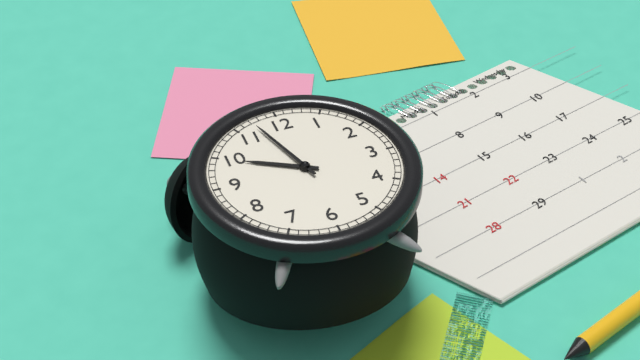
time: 9:57
